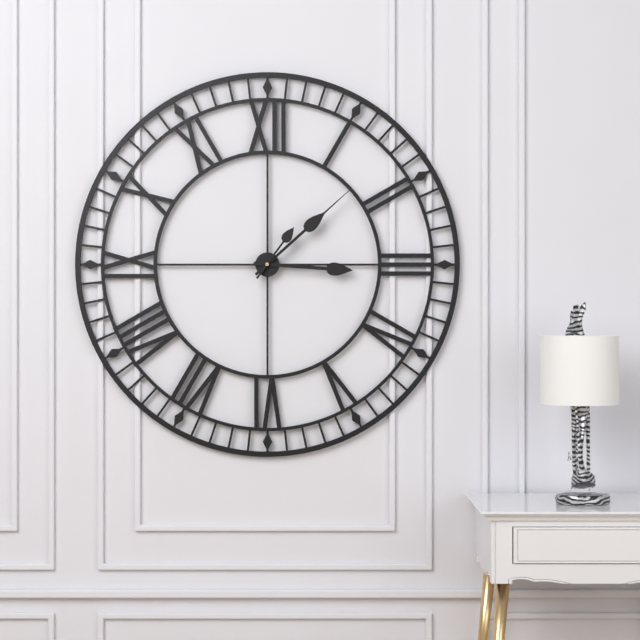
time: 3:08:06
